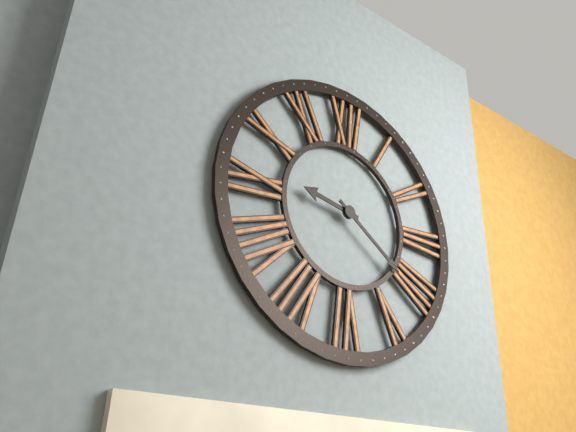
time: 9:21
